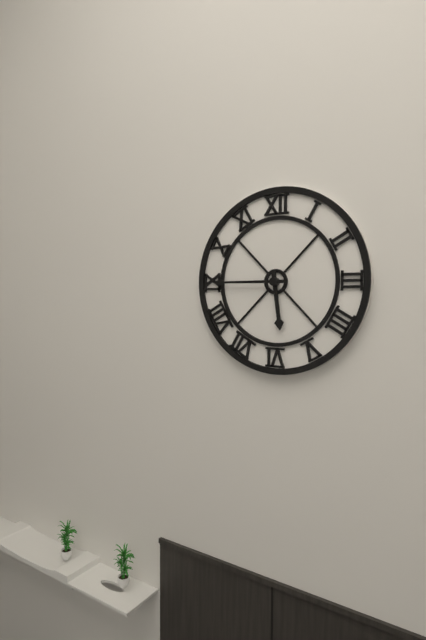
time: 5:45
